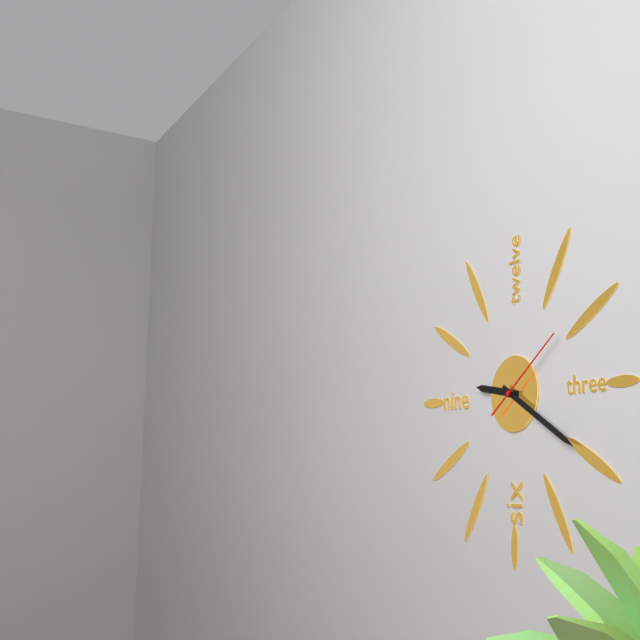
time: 9:20:09
